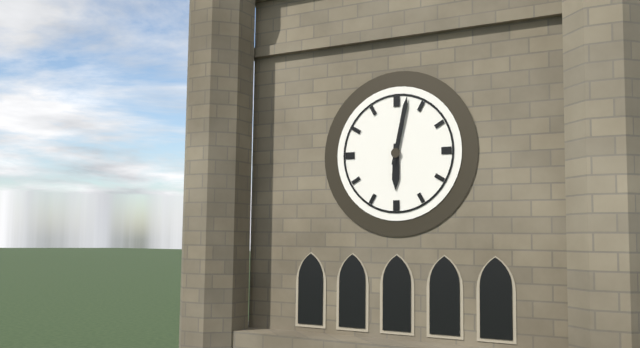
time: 6:02
